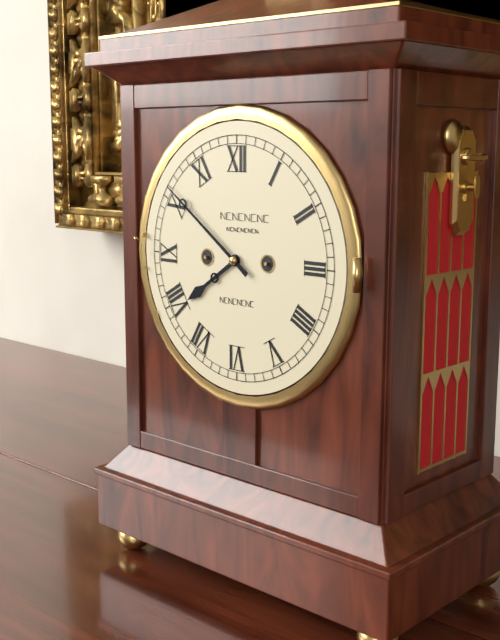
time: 7:51
